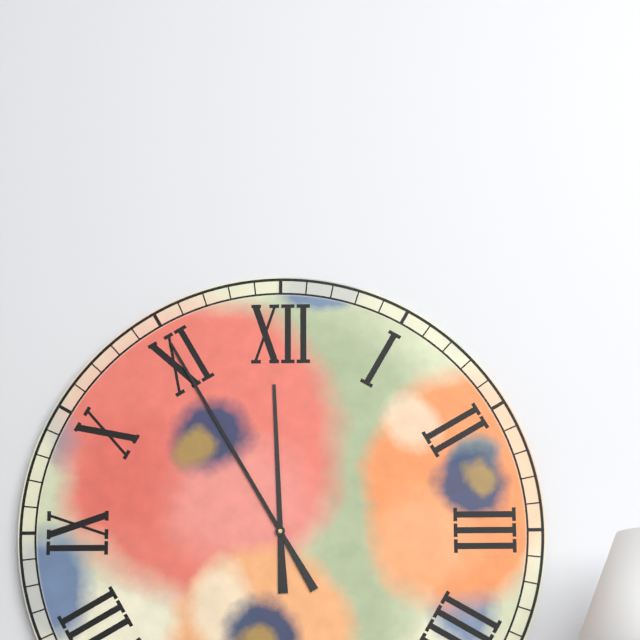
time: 11:55
